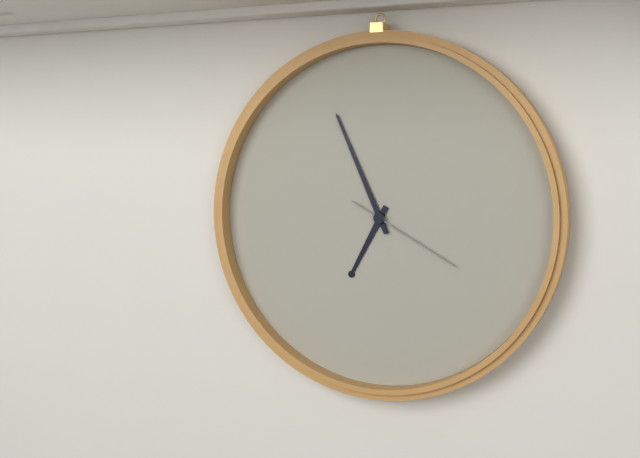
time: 6:56:20
